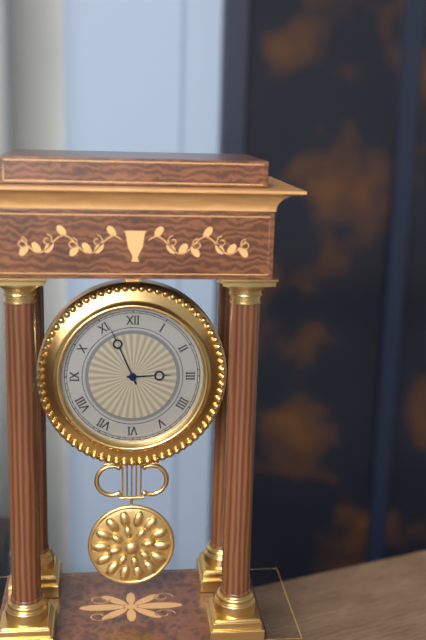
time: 2:56
